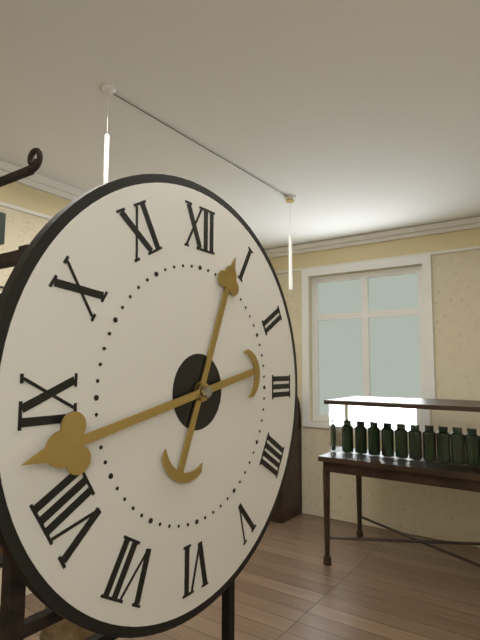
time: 12:43
